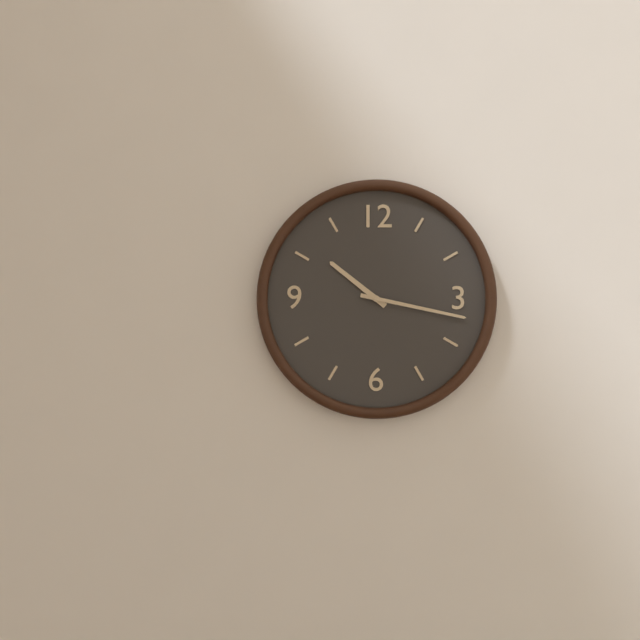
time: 10:17
